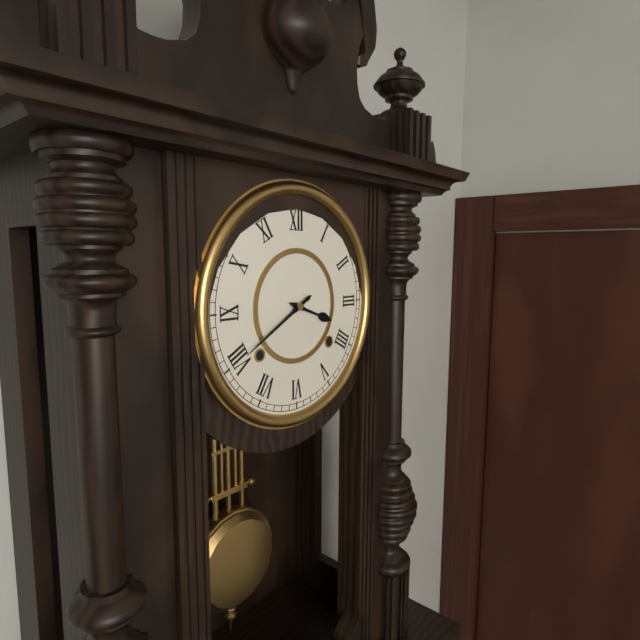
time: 3:40
